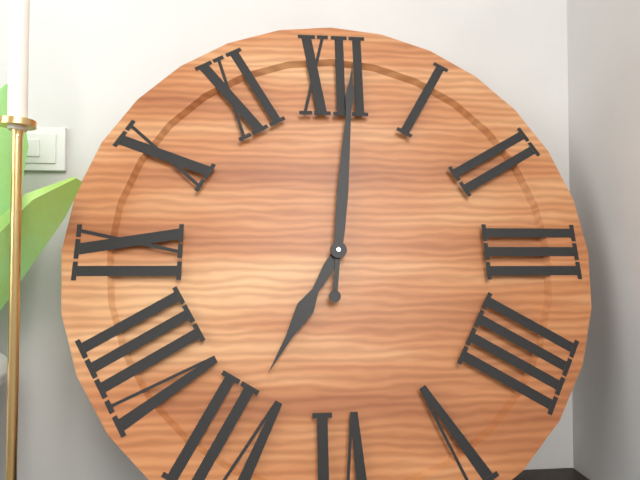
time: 7:01
